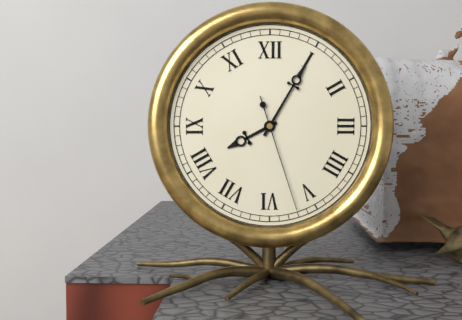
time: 8:05:27
